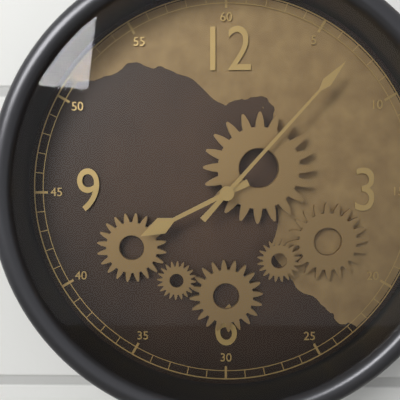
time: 8:07
